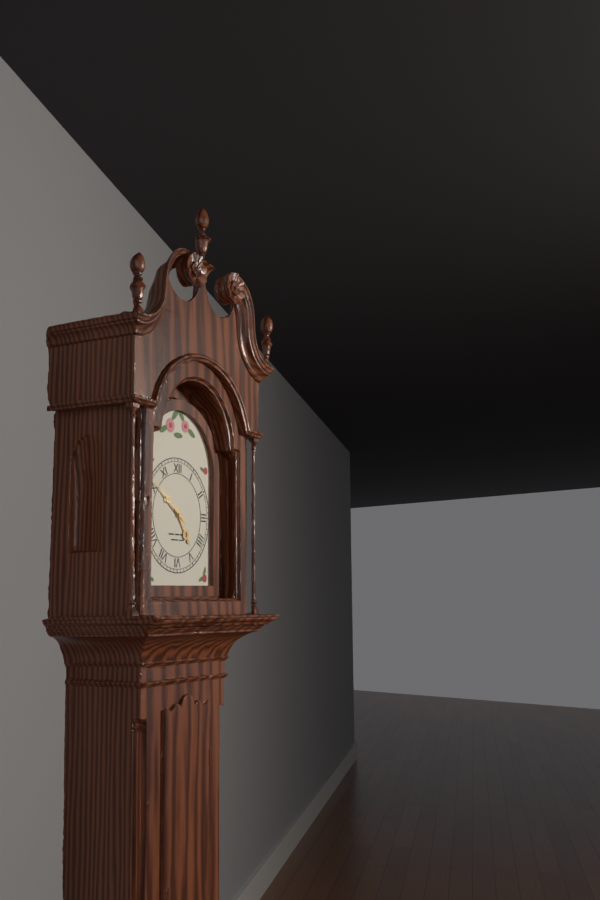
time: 4:51
